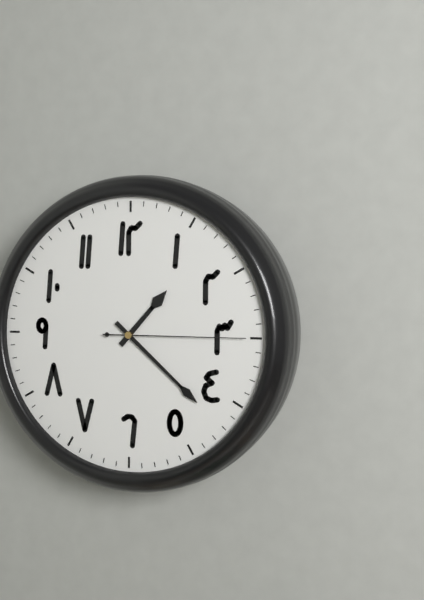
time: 1:22:15
